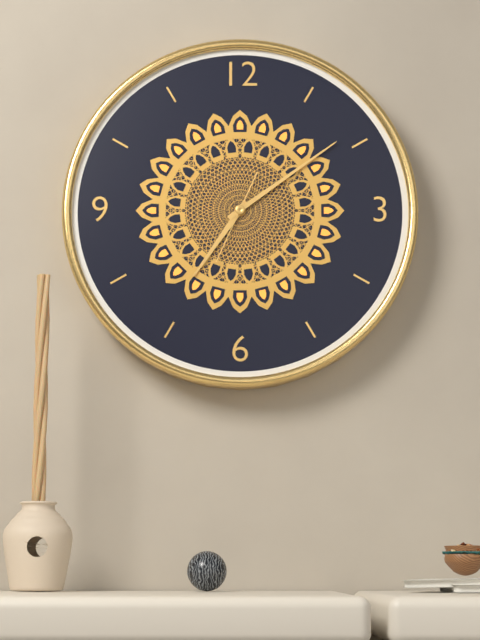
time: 7:09:34
